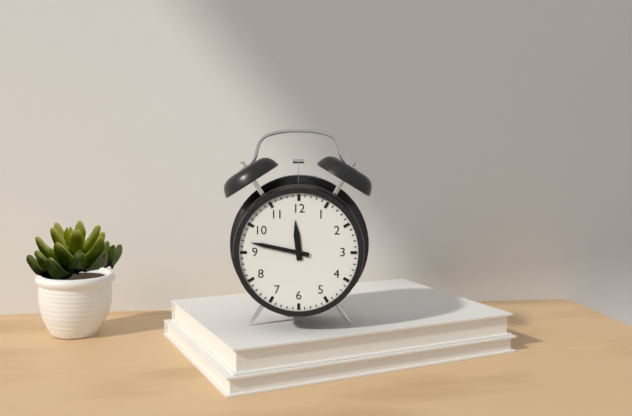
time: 11:47
